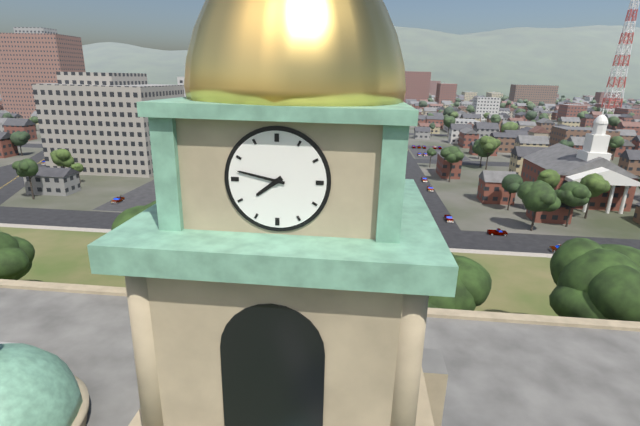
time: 7:47
